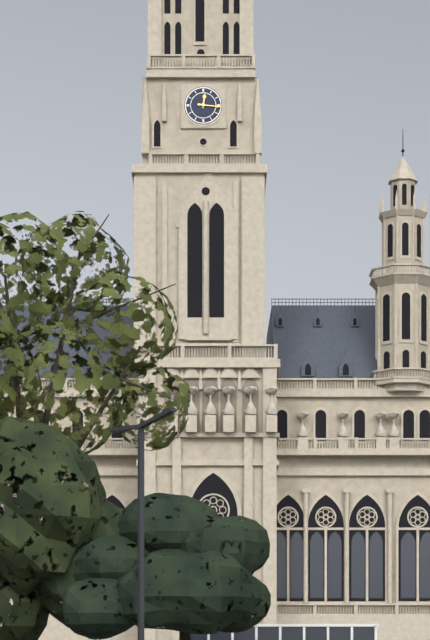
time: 12:16
